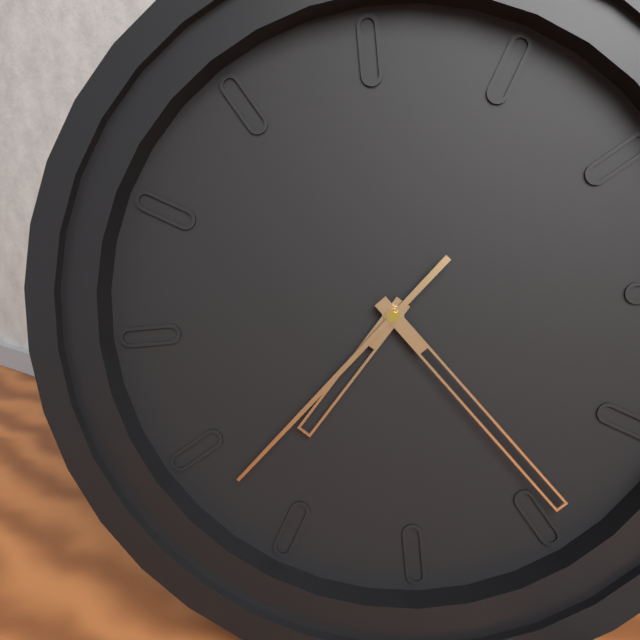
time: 7:24:38
